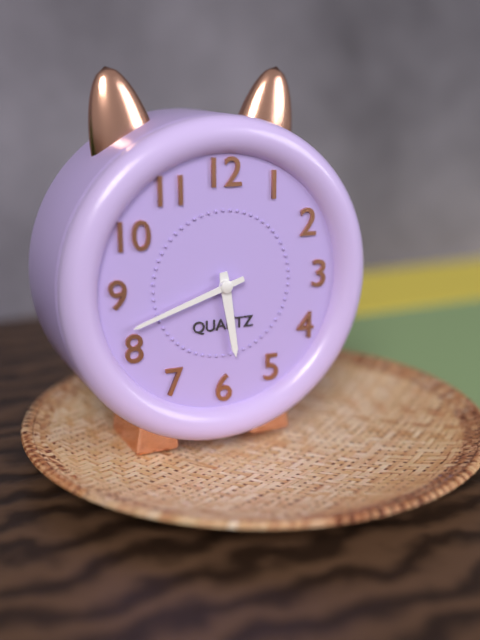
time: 5:42
